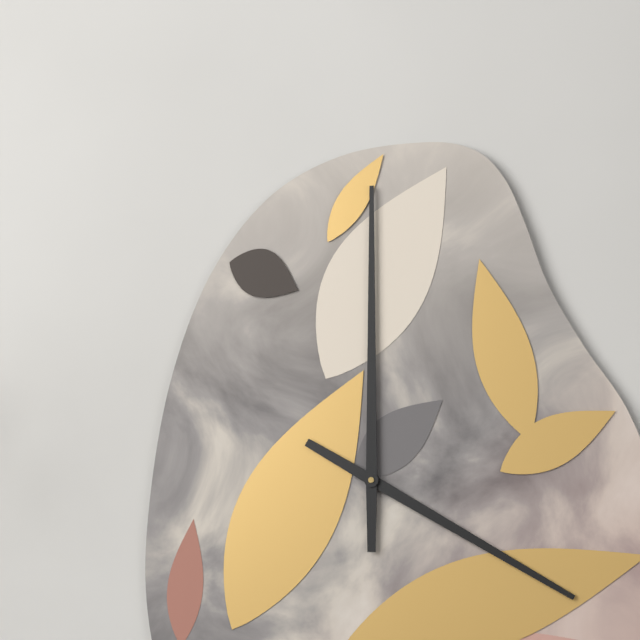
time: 4:00
